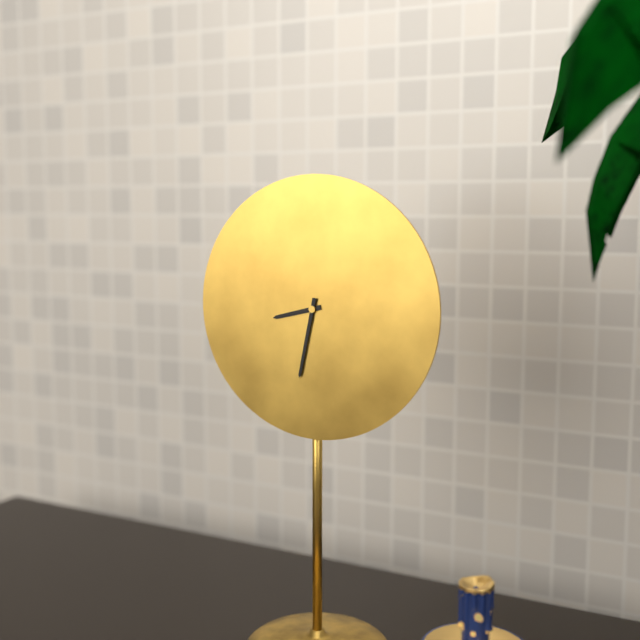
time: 8:32
